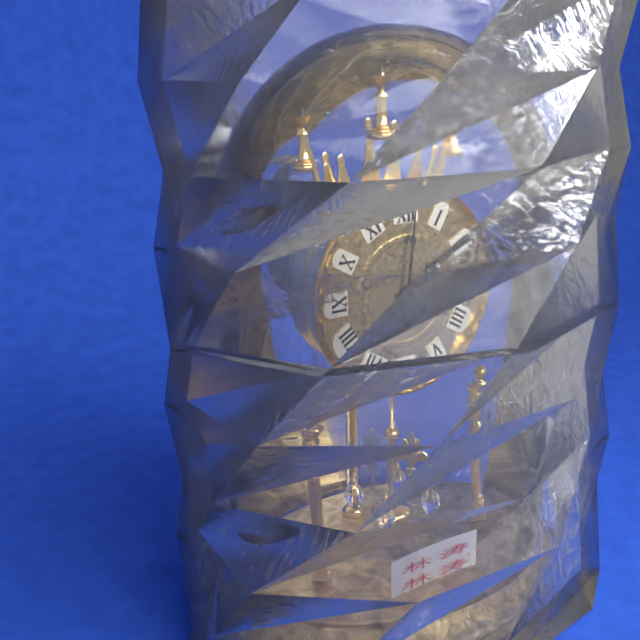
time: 2:01
